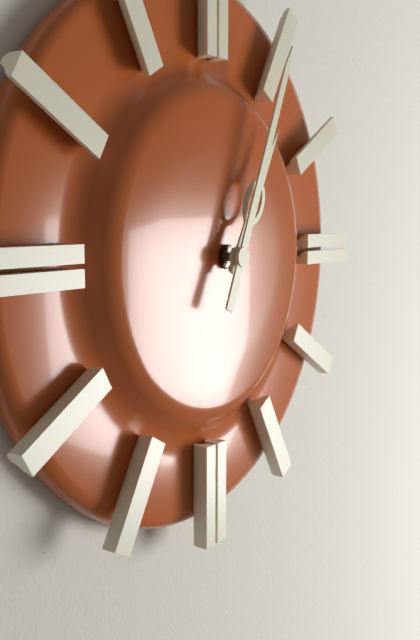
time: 1:04
